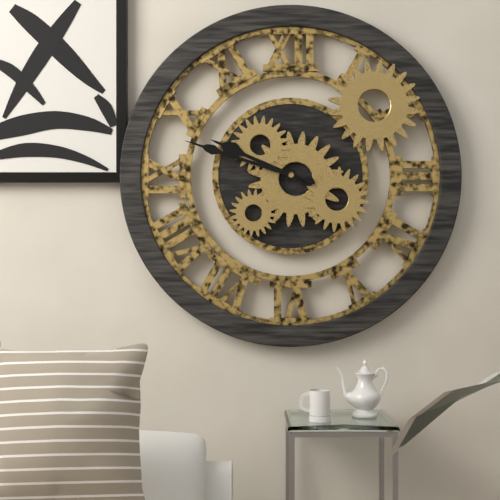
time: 9:48
